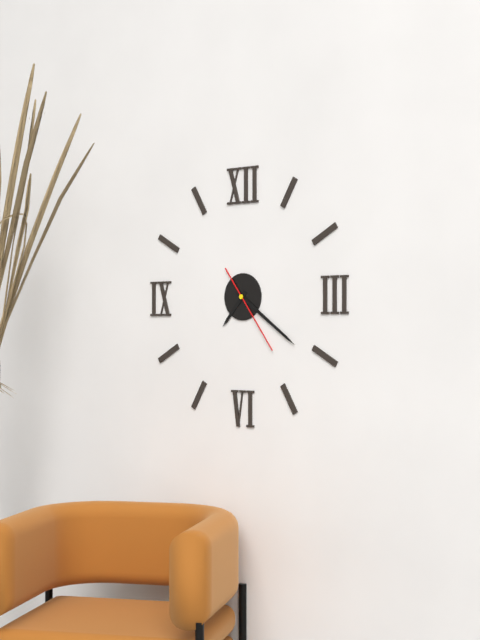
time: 7:21:24
